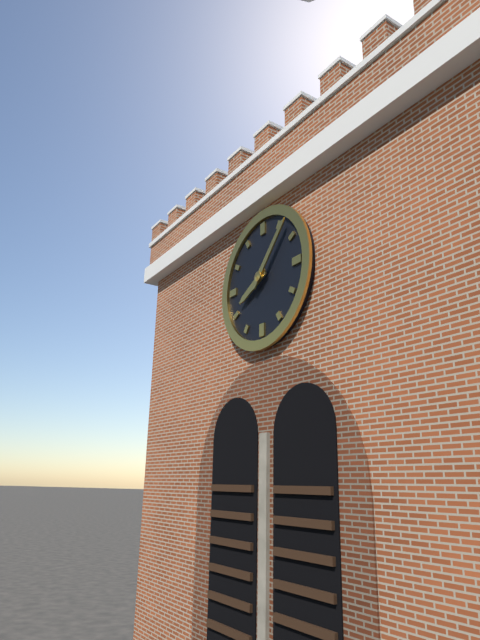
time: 8:07
